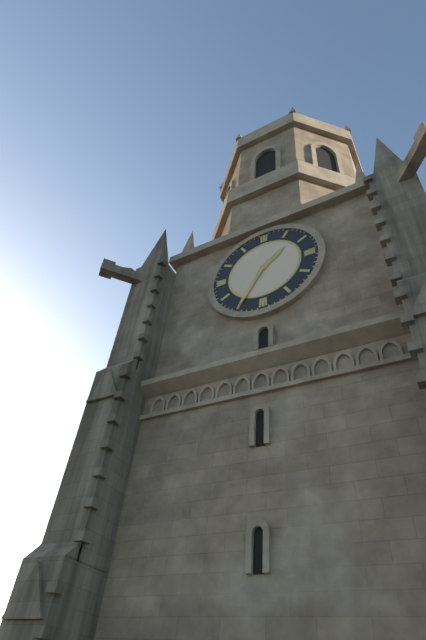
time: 1:35
